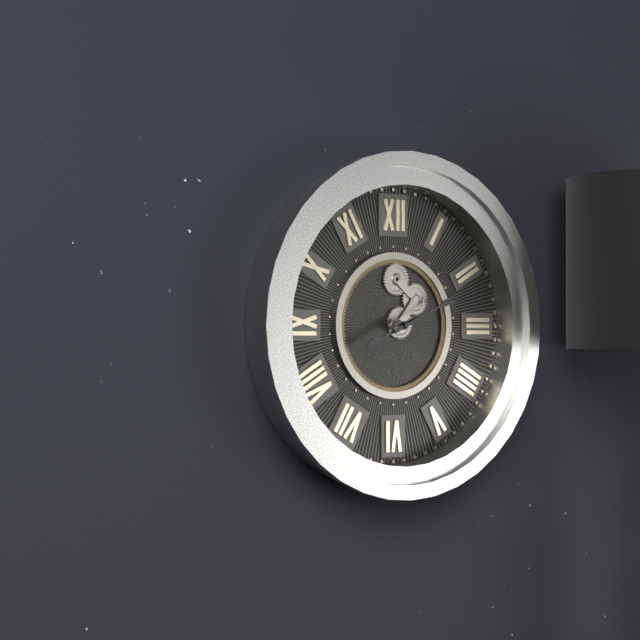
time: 8:11
